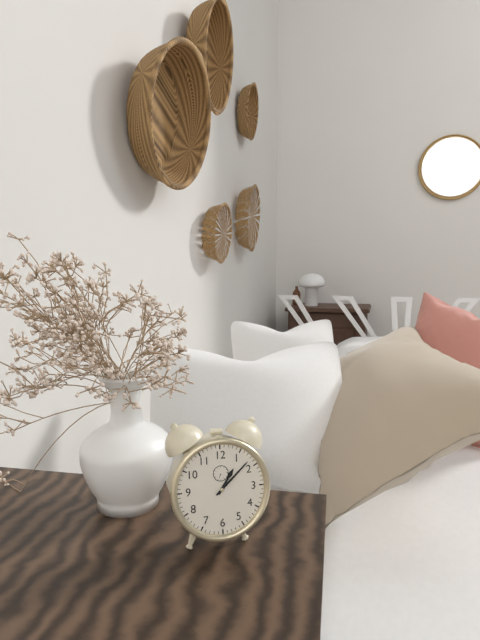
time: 1:08
